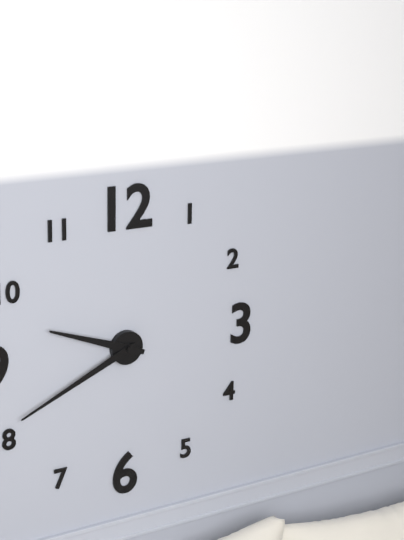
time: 9:41
